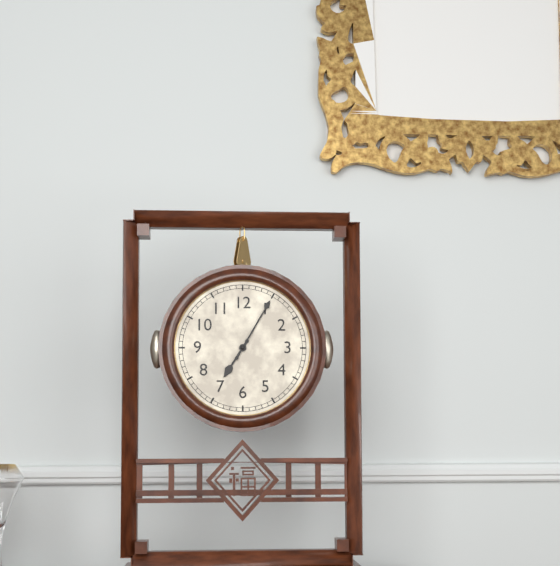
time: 7:05
